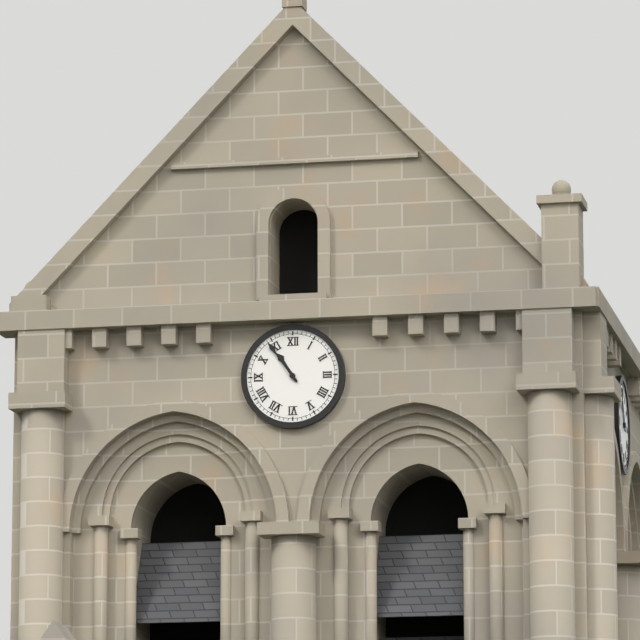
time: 10:54
